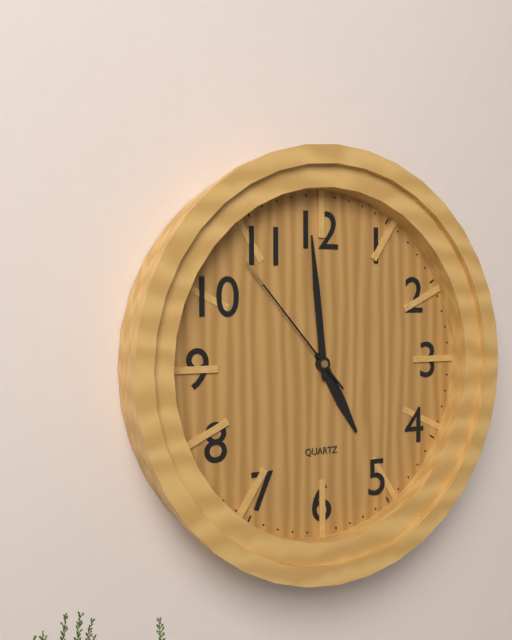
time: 4:59:53
